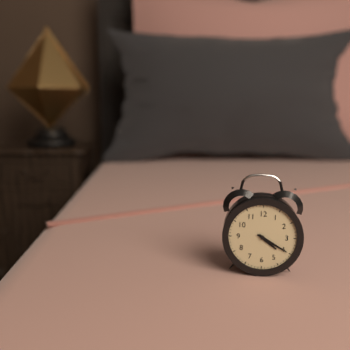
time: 4:20
